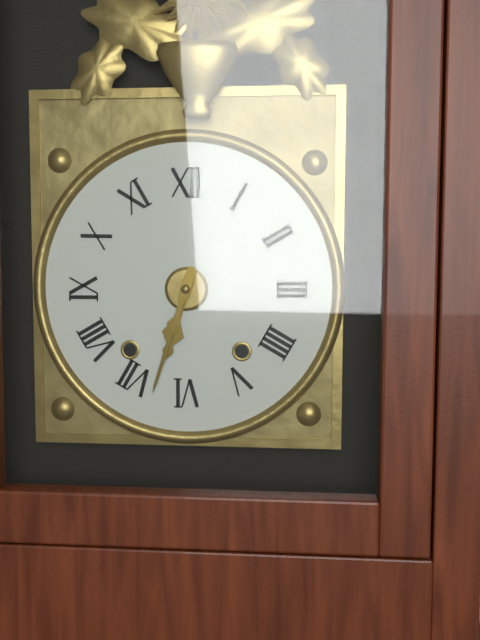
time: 6:33
